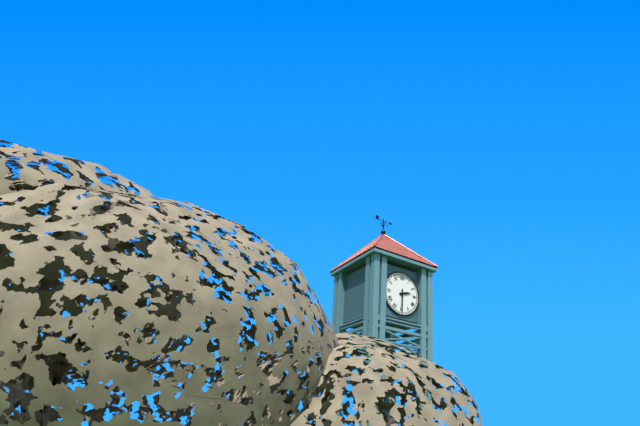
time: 2:30
